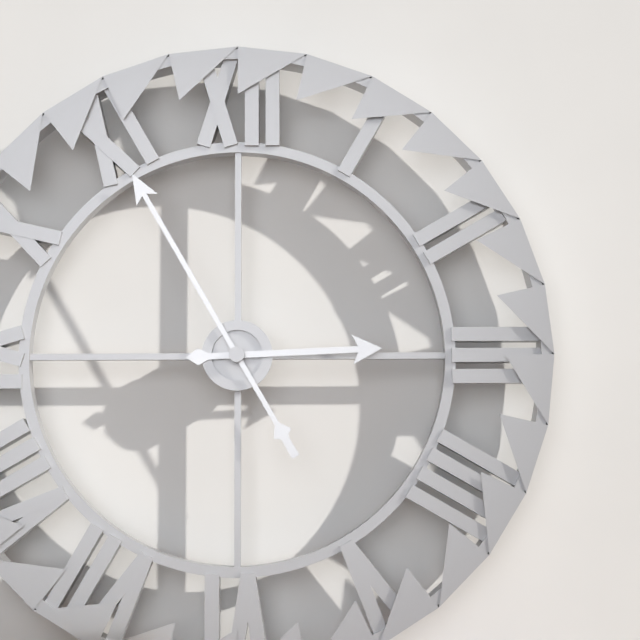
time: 2:55
